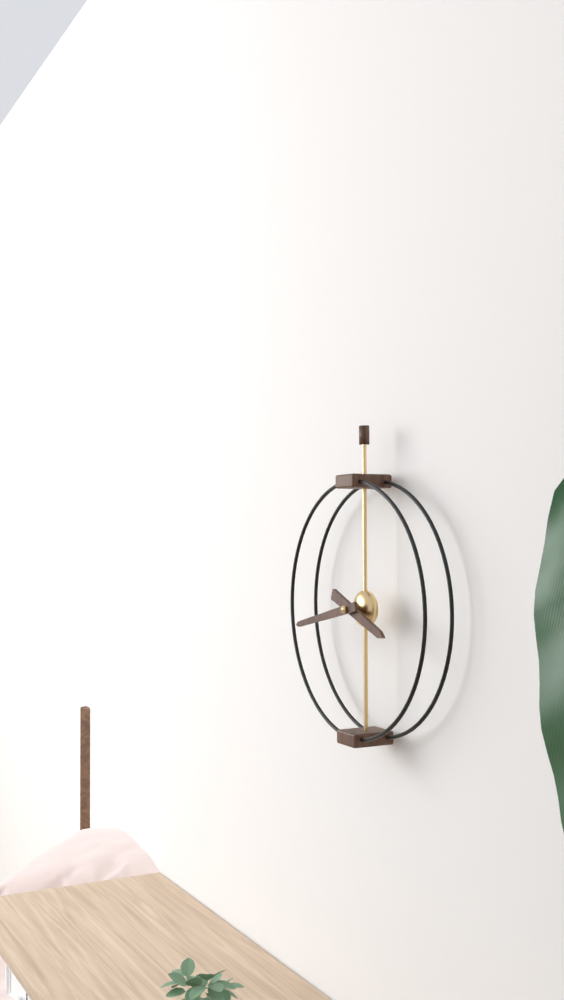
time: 3:43
